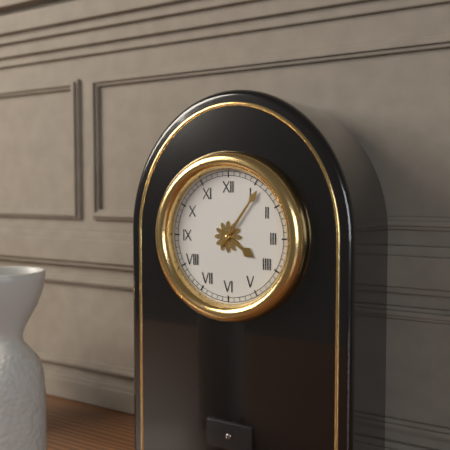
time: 4:06
